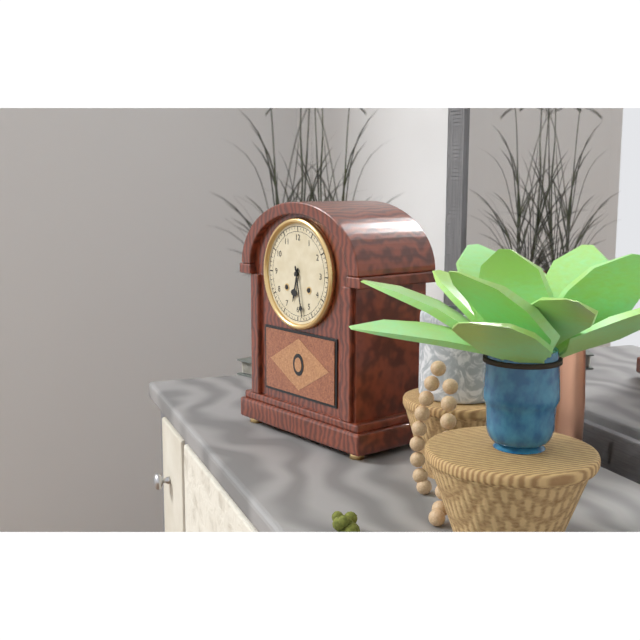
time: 6:28
